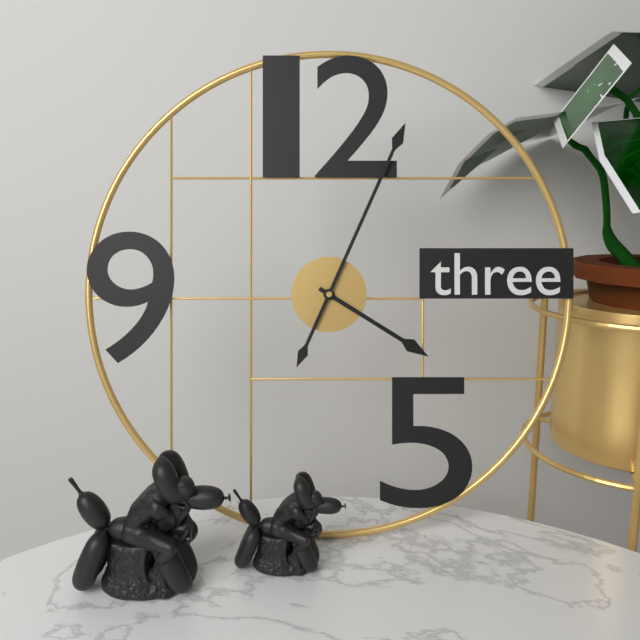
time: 4:04
